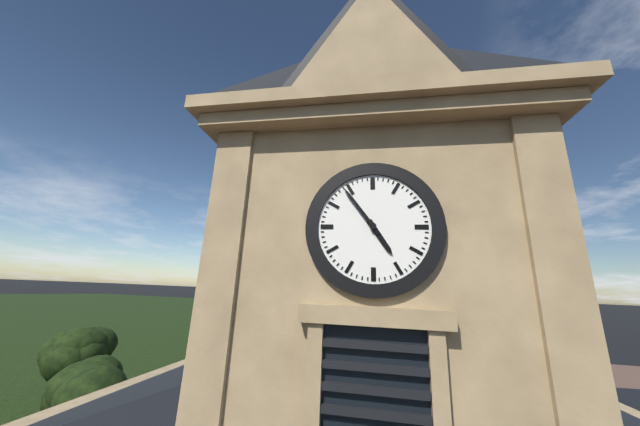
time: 4:54
